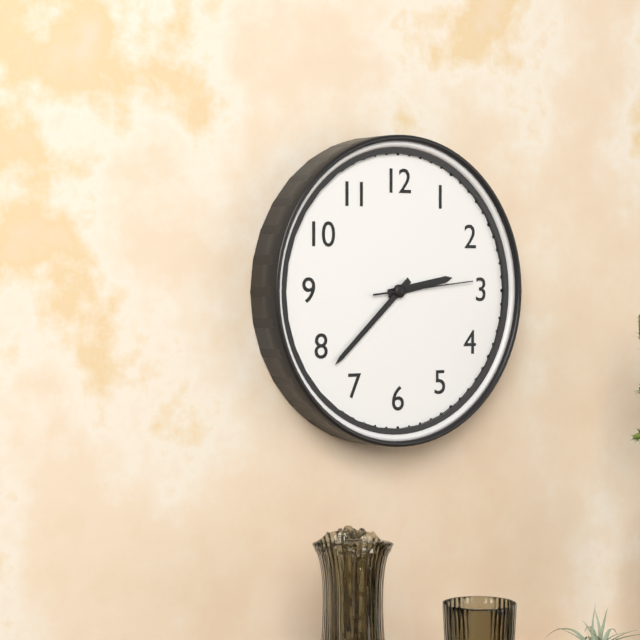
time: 2:38:14
